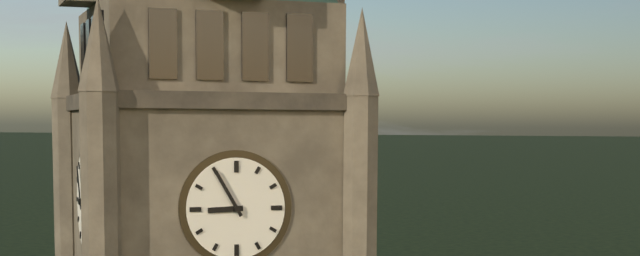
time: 8:55
